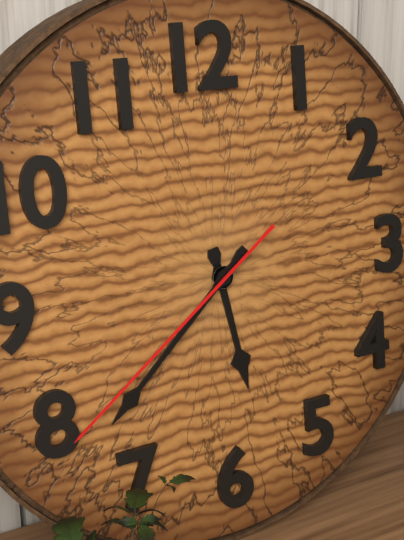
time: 5:38:39
